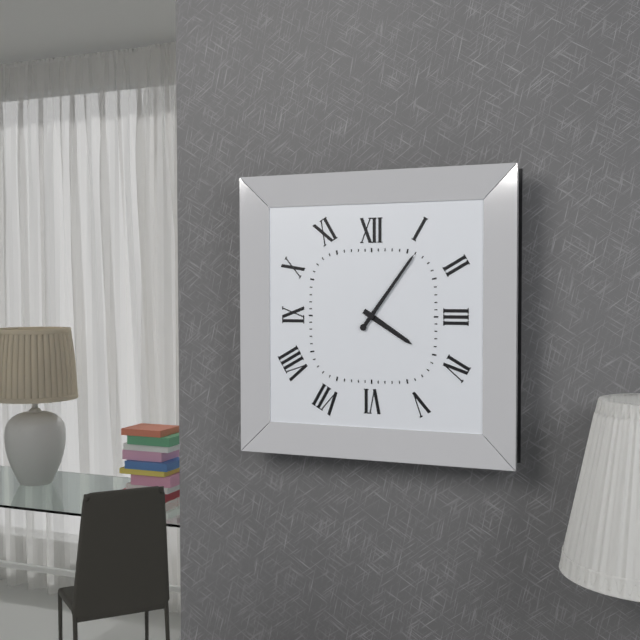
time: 4:06
